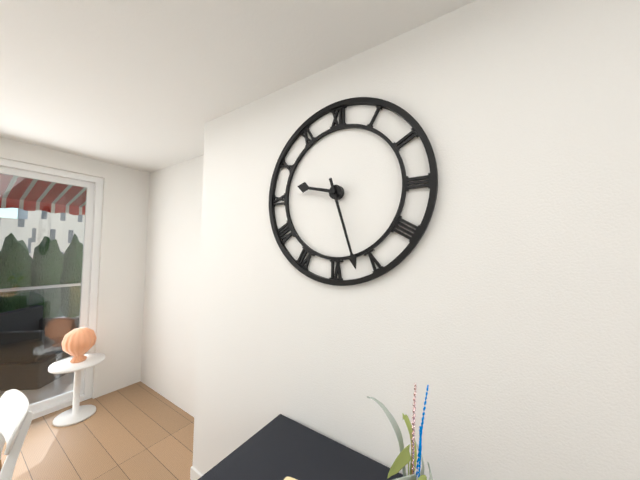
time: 9:27
